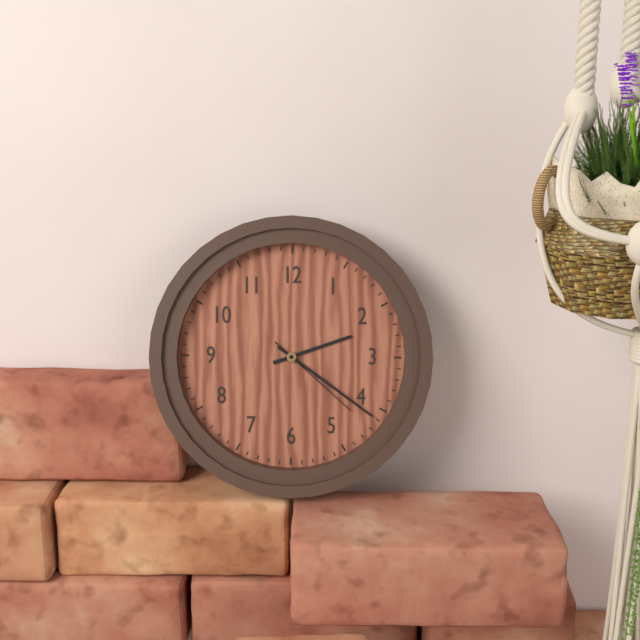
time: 2:21:22
